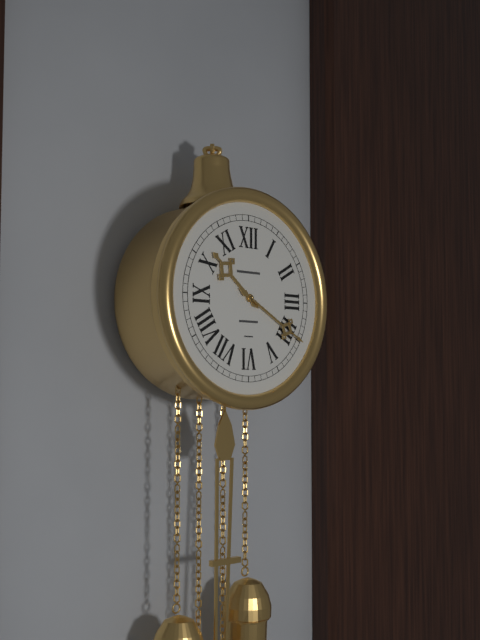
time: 10:20
